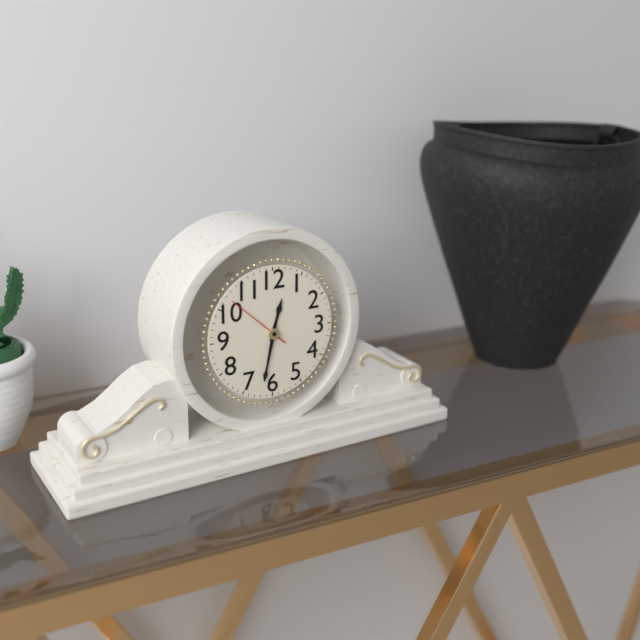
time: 12:32:52
